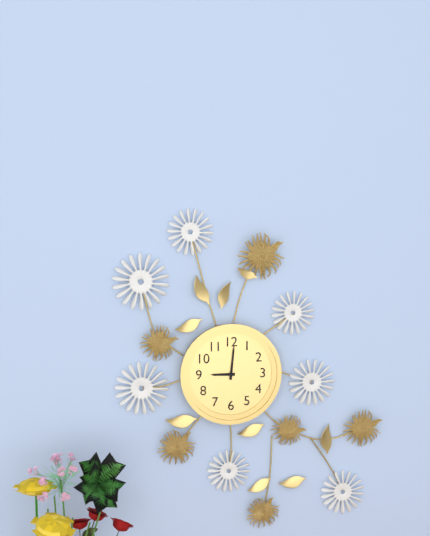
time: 9:01
